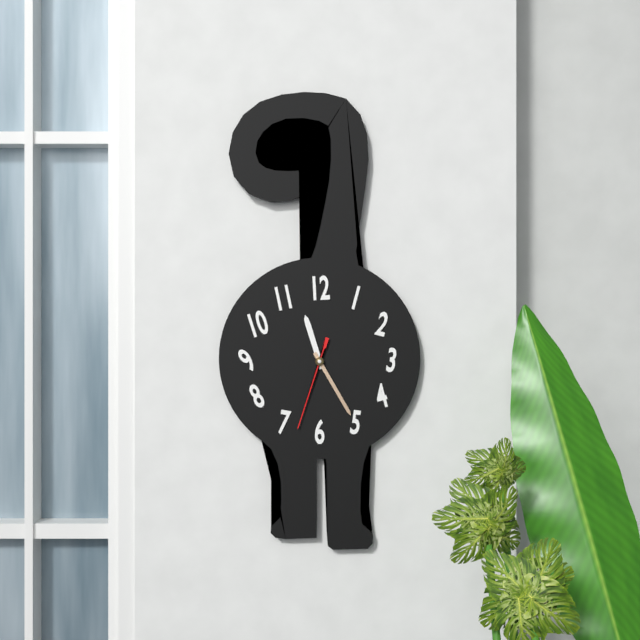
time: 11:25:33
